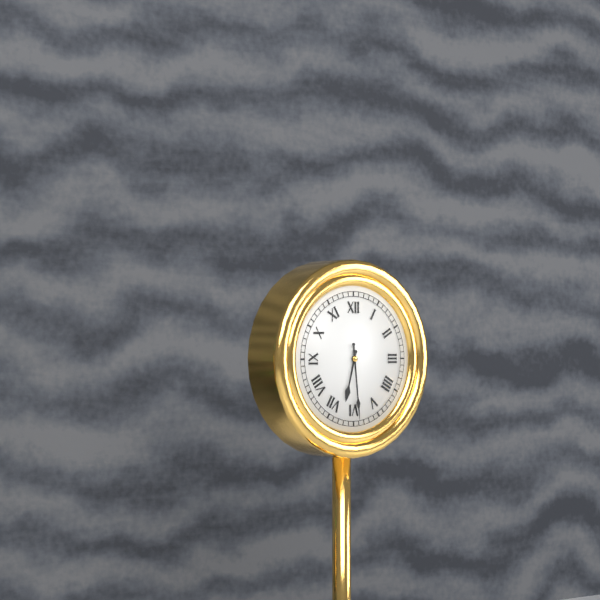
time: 6:29
